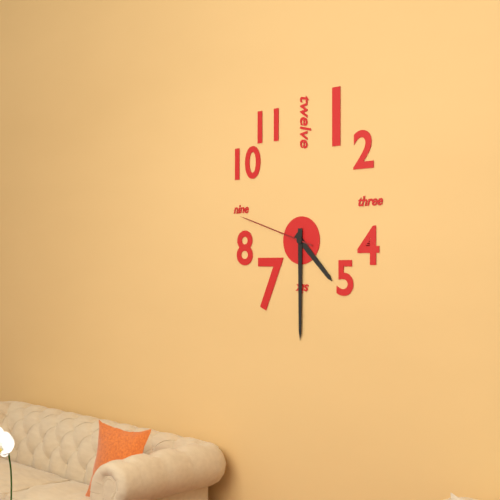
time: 4:30:48
